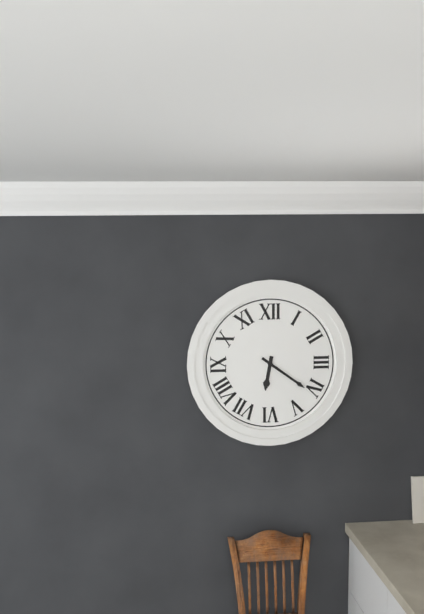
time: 6:21
